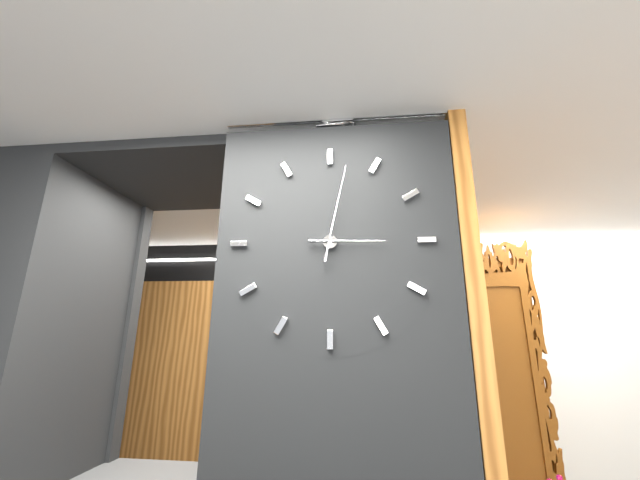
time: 3:02
